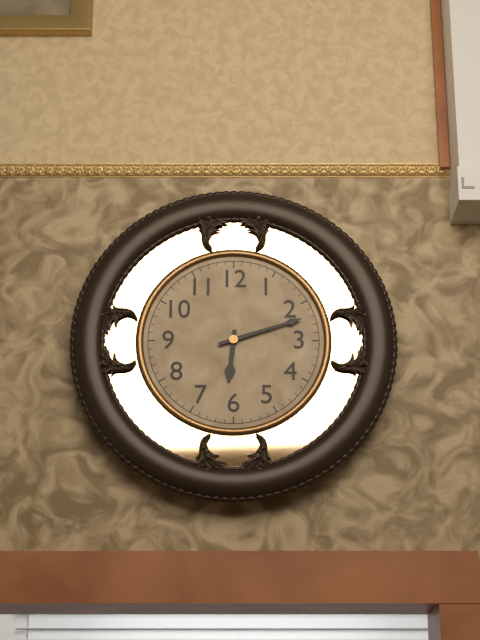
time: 6:12
